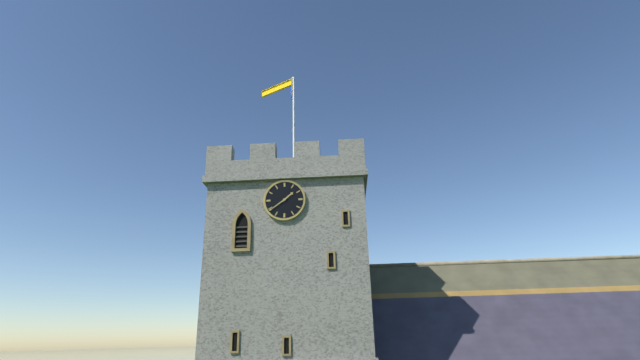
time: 1:39
